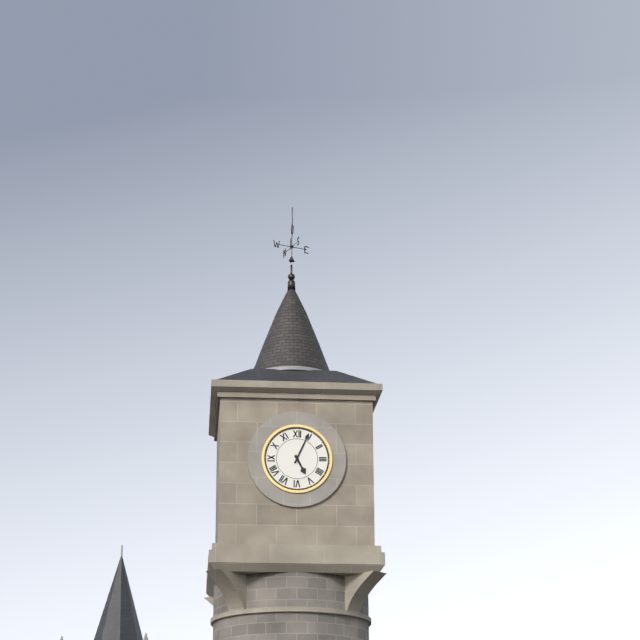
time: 5:04
